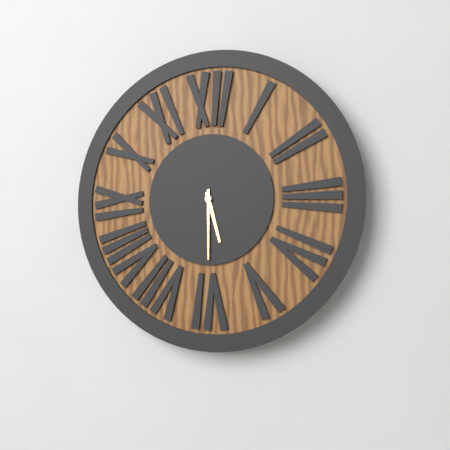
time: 5:30
